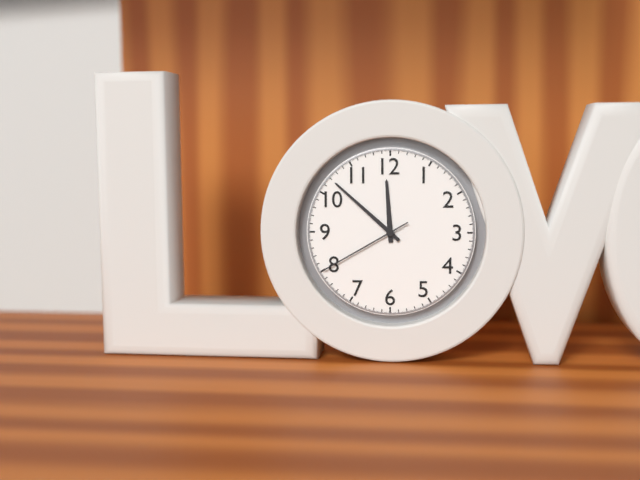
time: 11:52:40
